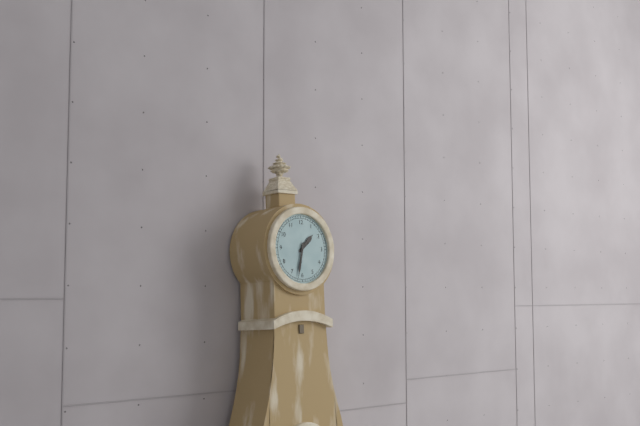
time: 1:32
